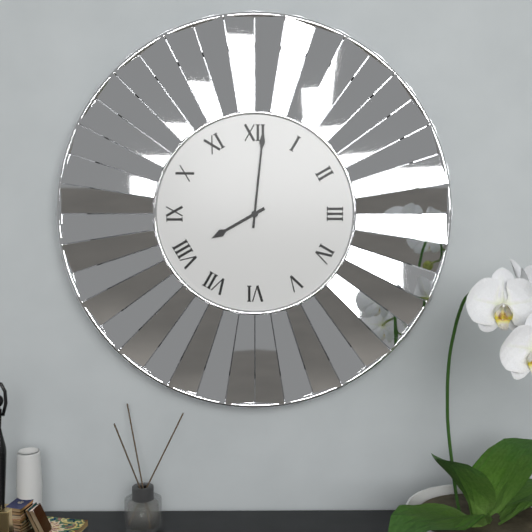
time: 8:01
